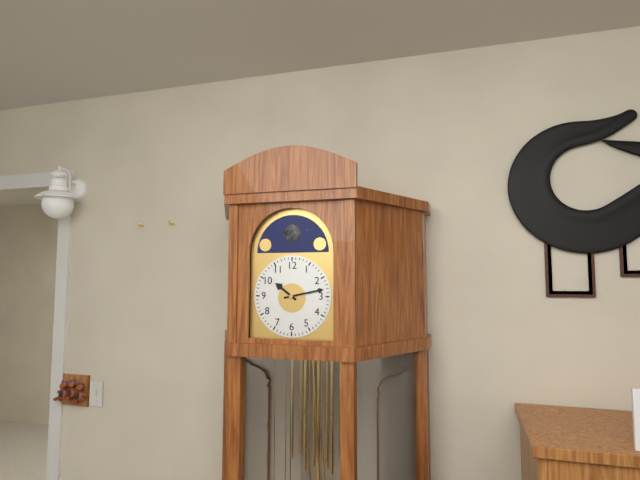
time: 10:13
